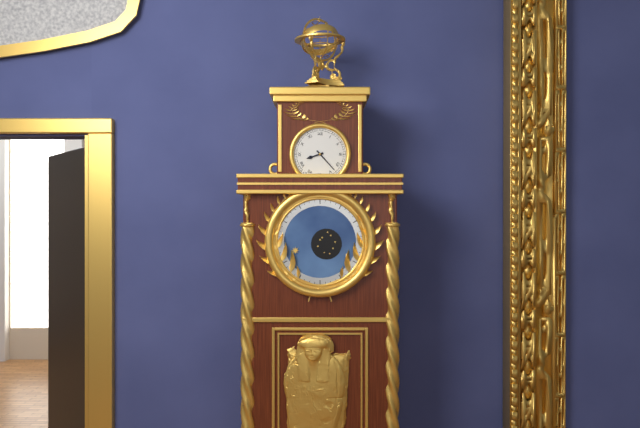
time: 8:23
